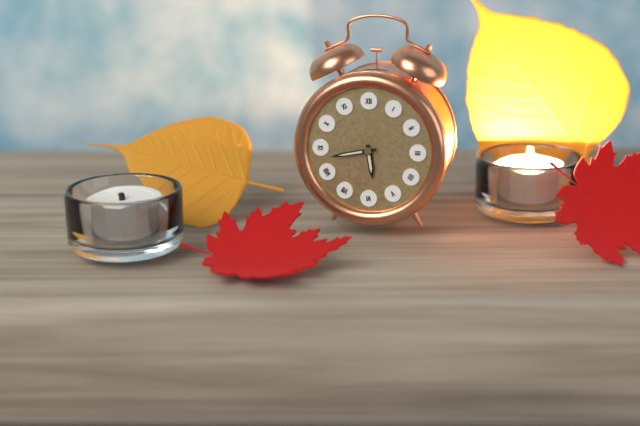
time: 5:43
